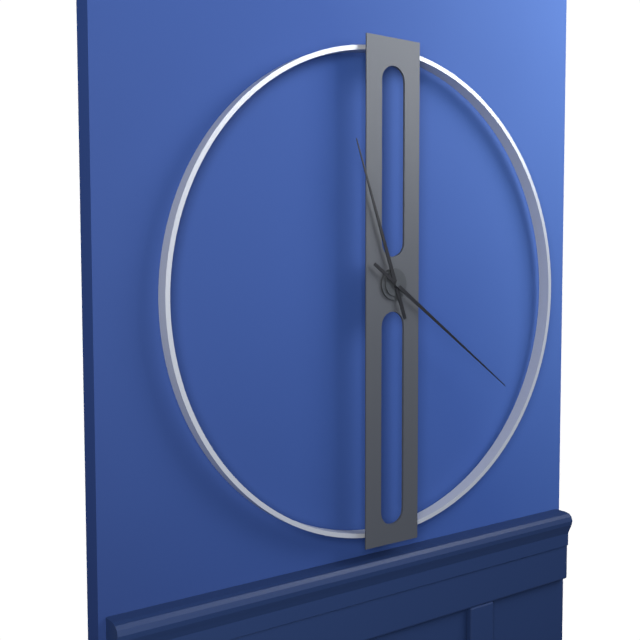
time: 11:21
